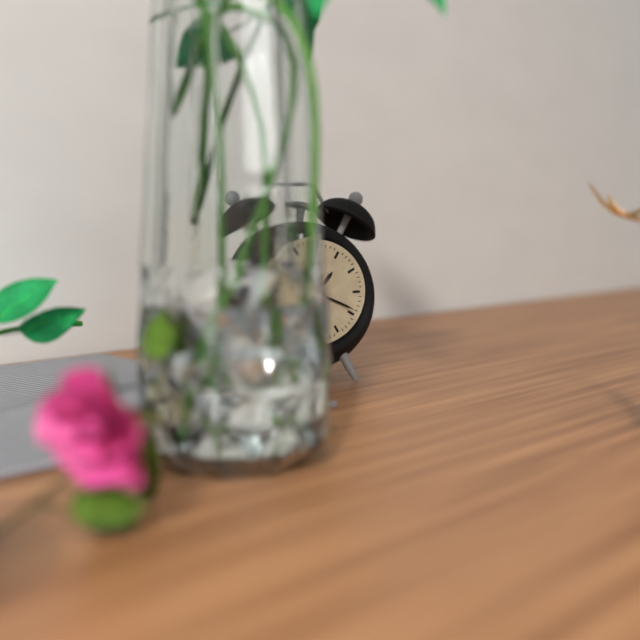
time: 1:19
